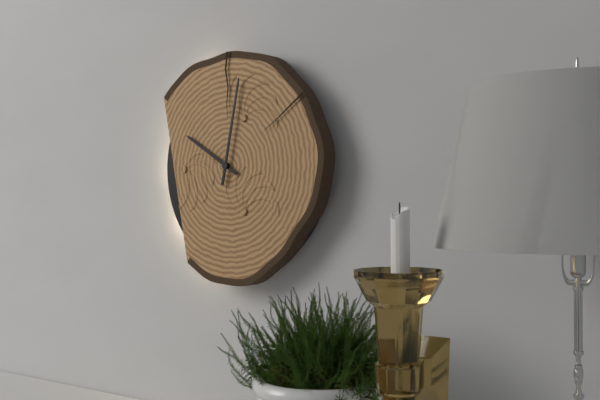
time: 10:02
